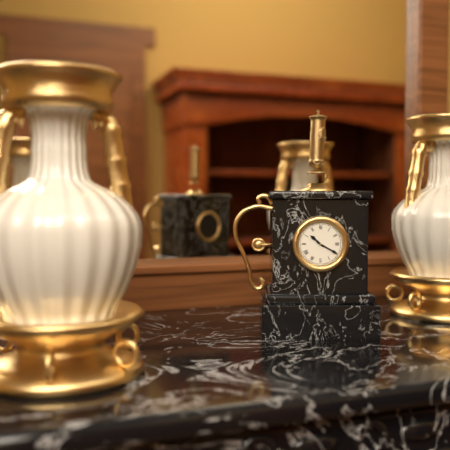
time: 10:20
